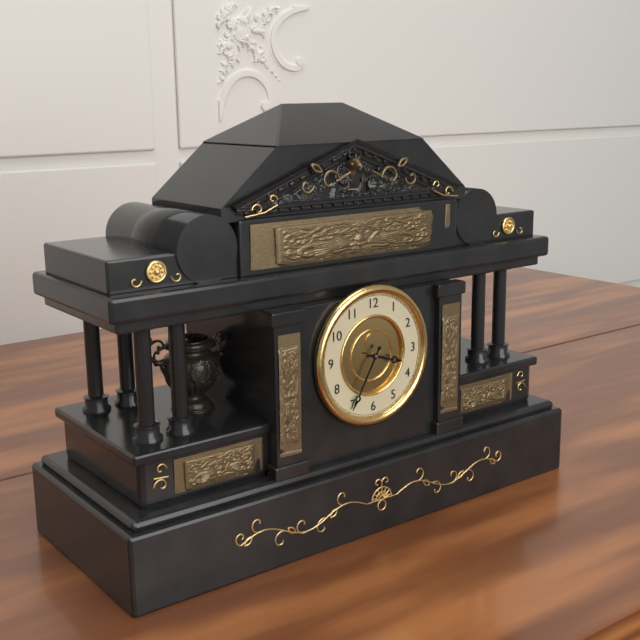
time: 3:35
